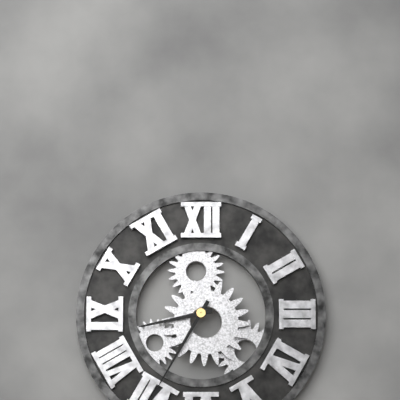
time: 8:35
